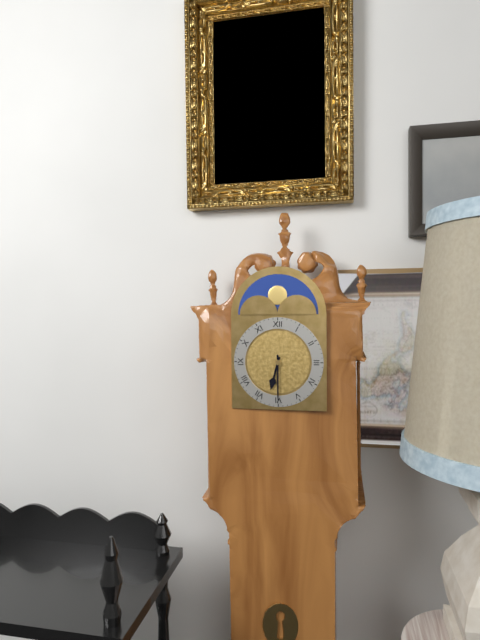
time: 6:30
